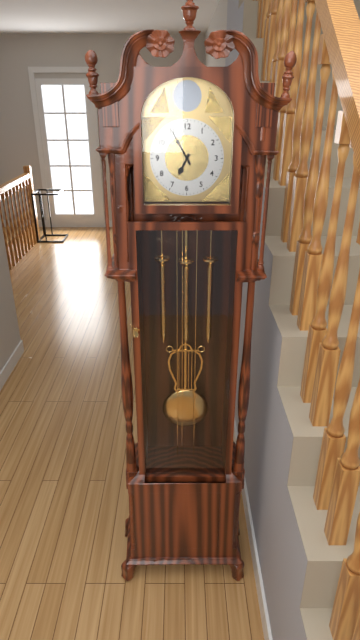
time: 6:55
